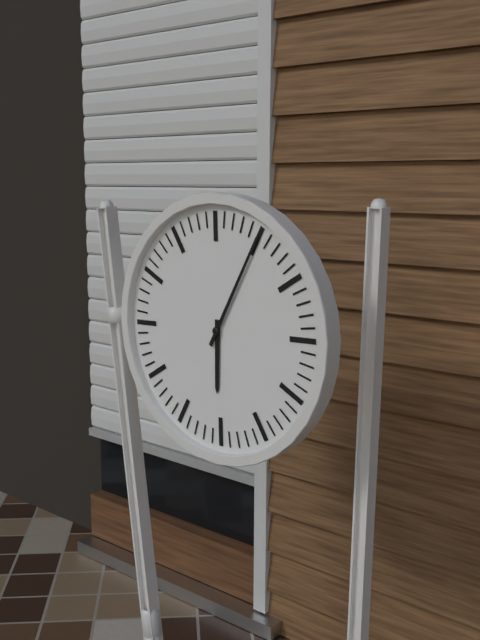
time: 6:05
